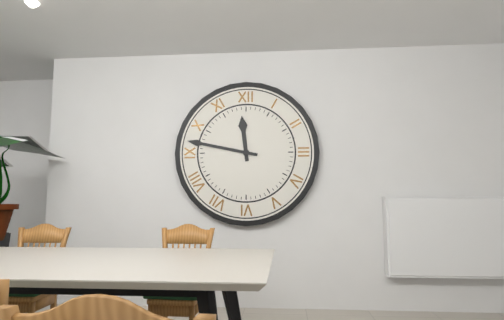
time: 11:47
